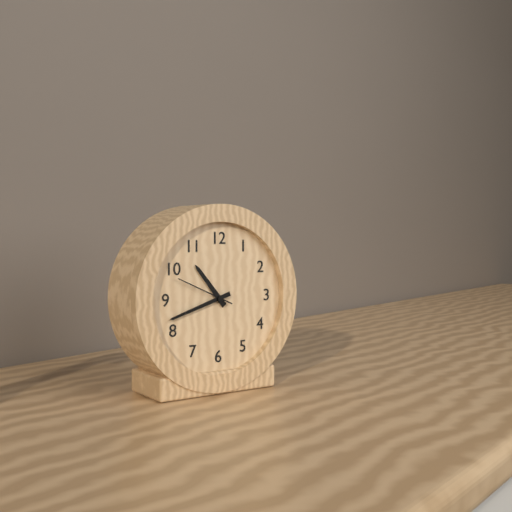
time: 10:42:49
